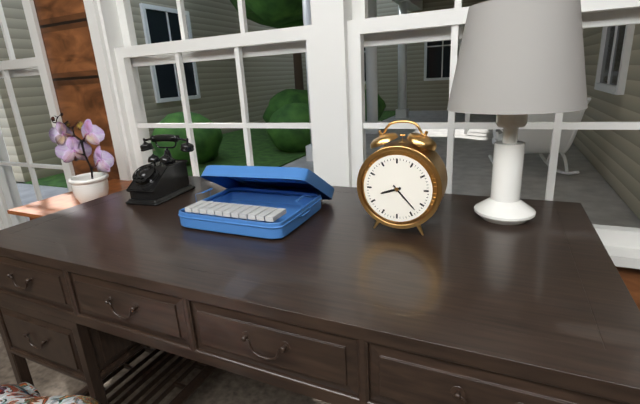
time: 8:23
